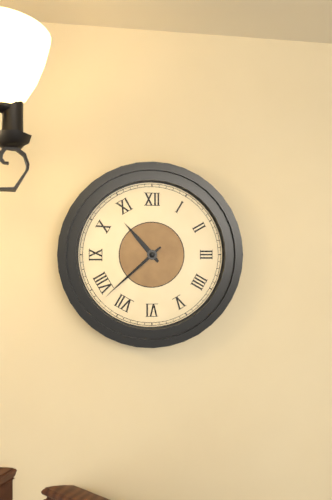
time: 10:38
